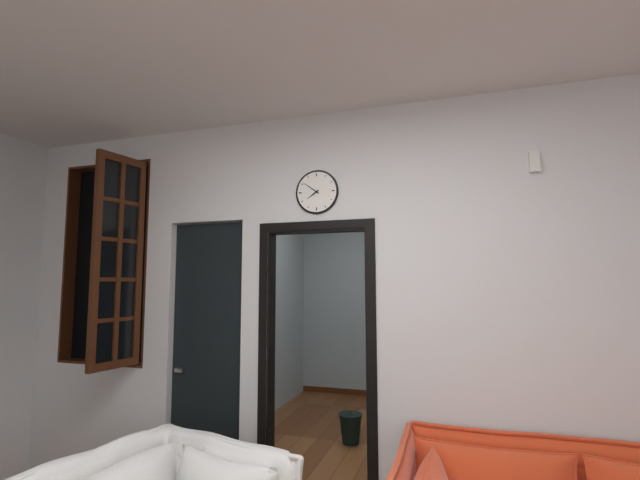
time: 7:51
